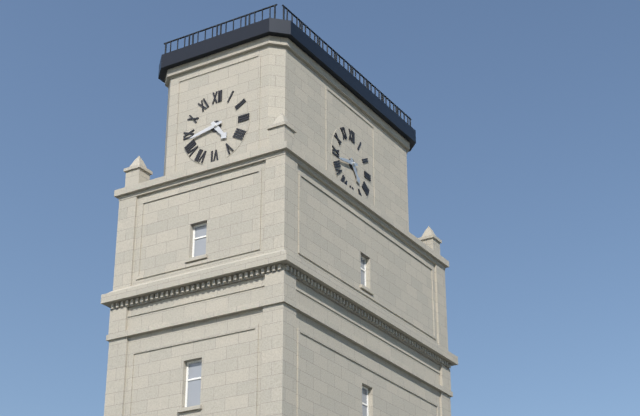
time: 4:43
